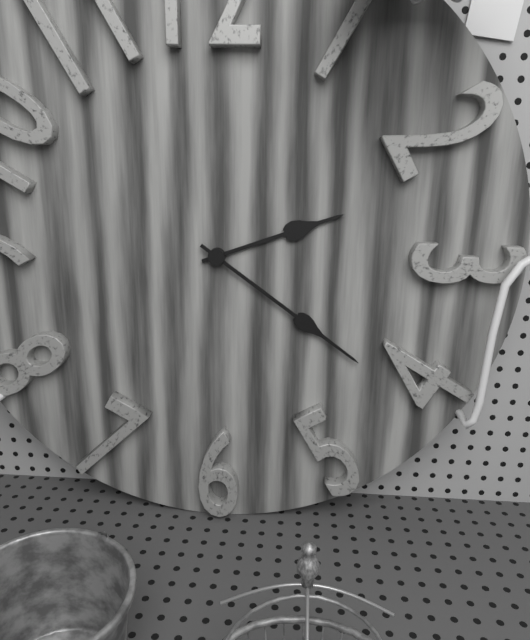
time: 2:21
